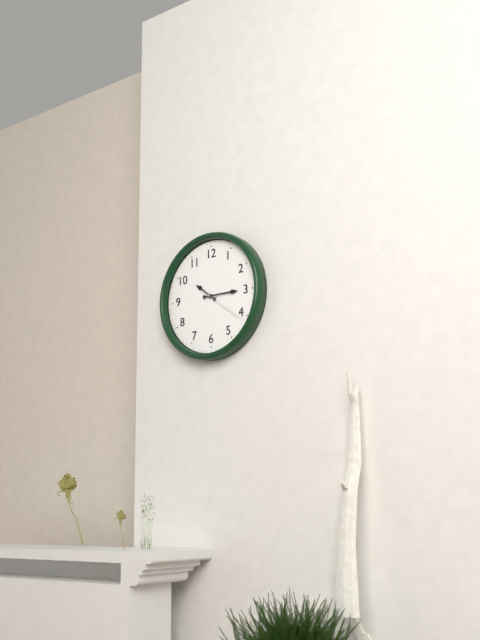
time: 10:15
